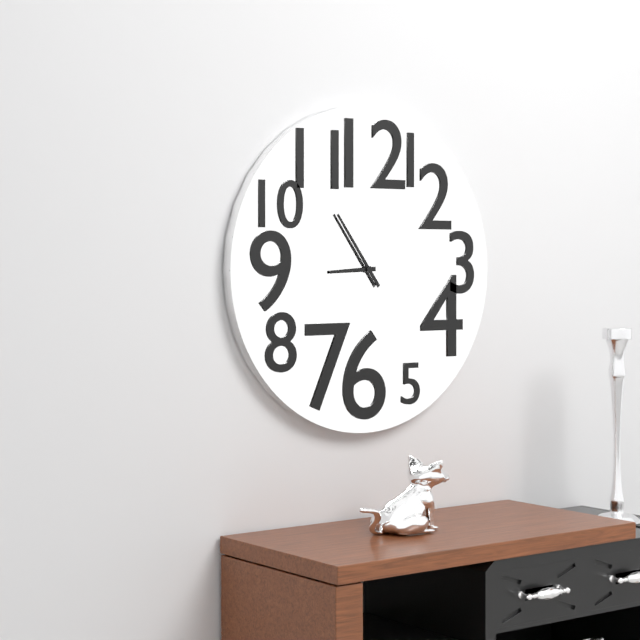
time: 8:54
